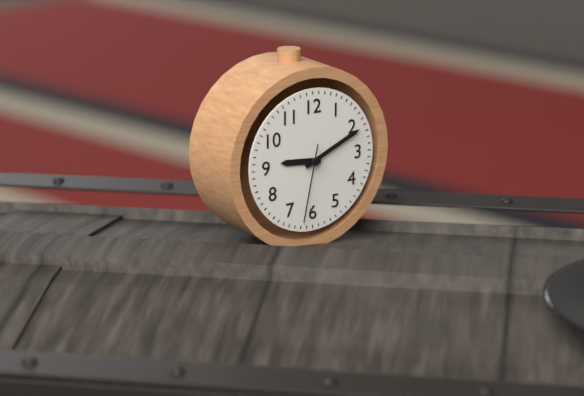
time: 9:11:32
